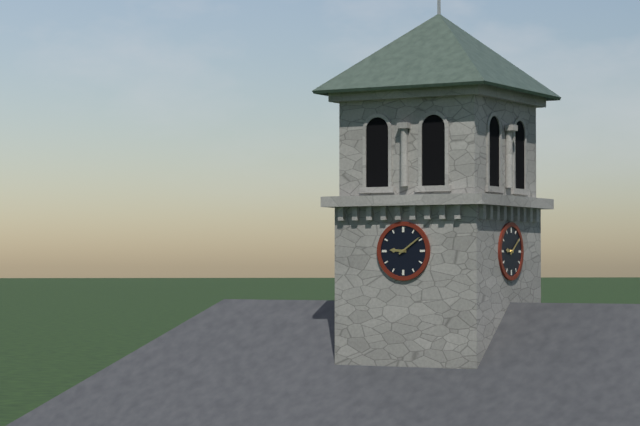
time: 9:09
